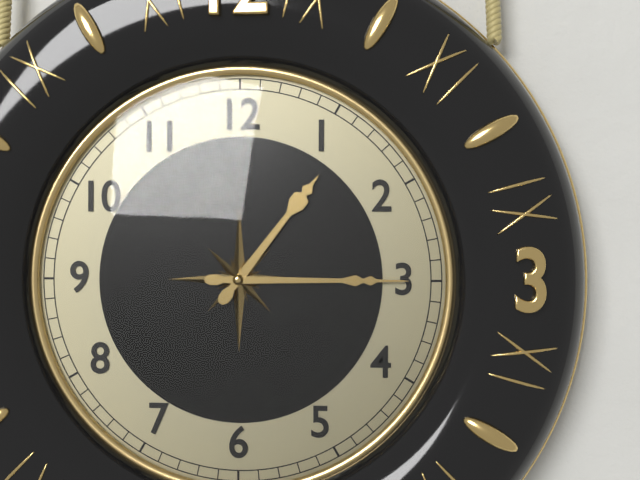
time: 1:15
